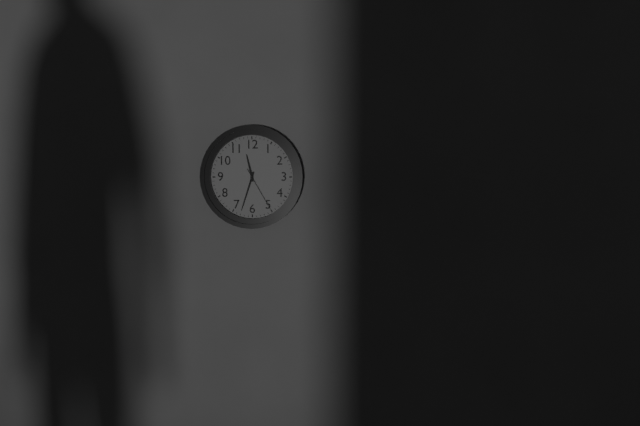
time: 11:33
